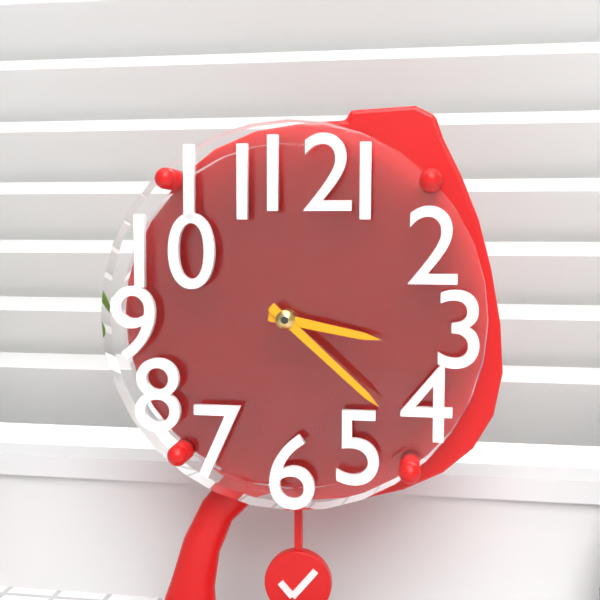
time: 3:22
